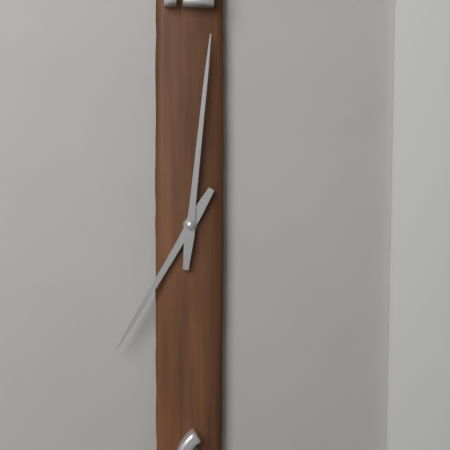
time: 7:01
